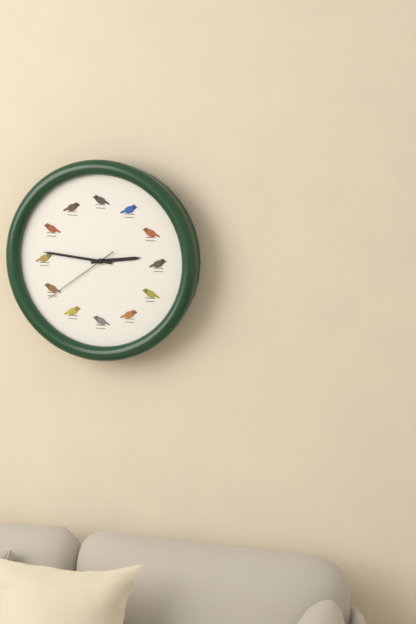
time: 2:46:39
